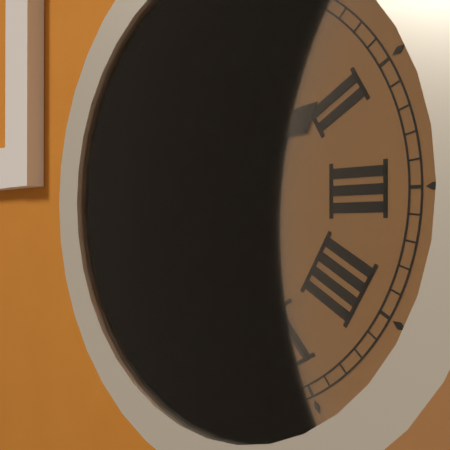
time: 1:49
